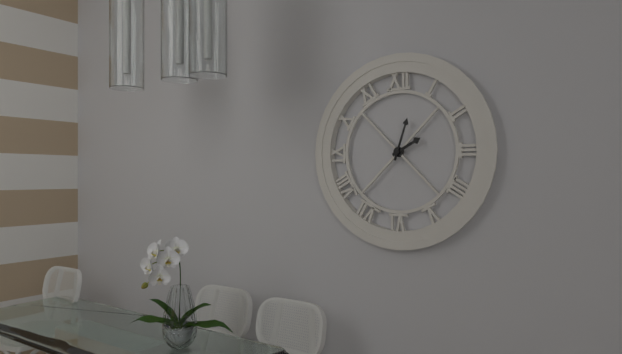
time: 2:03
